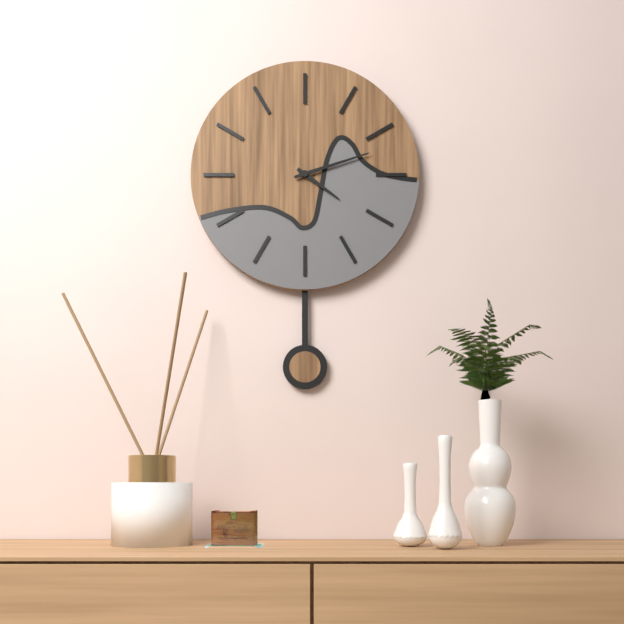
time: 4:12
